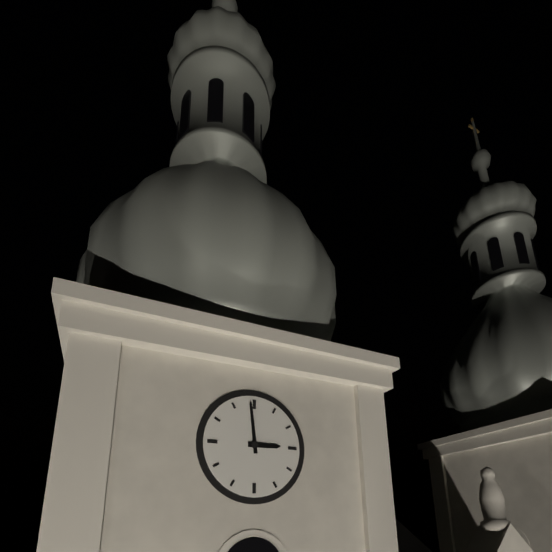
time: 2:59
